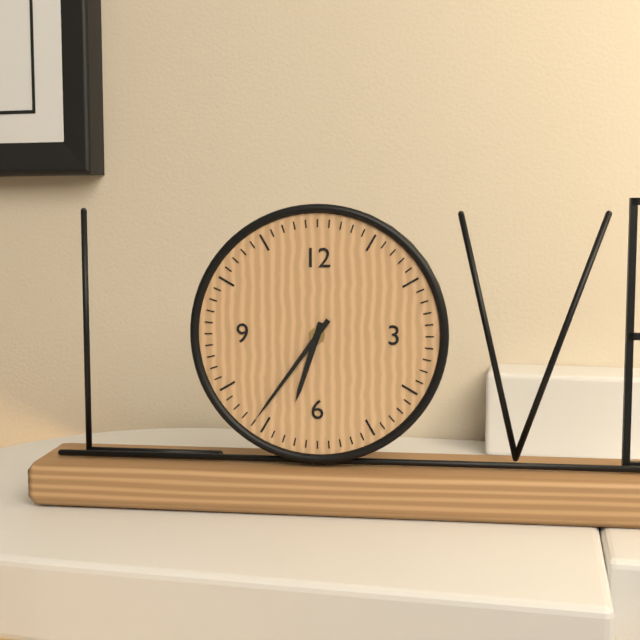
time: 6:36
